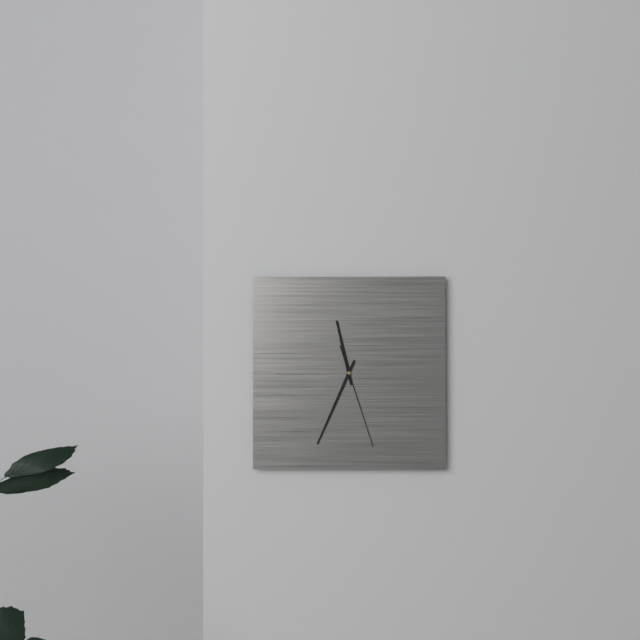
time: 11:34:27
